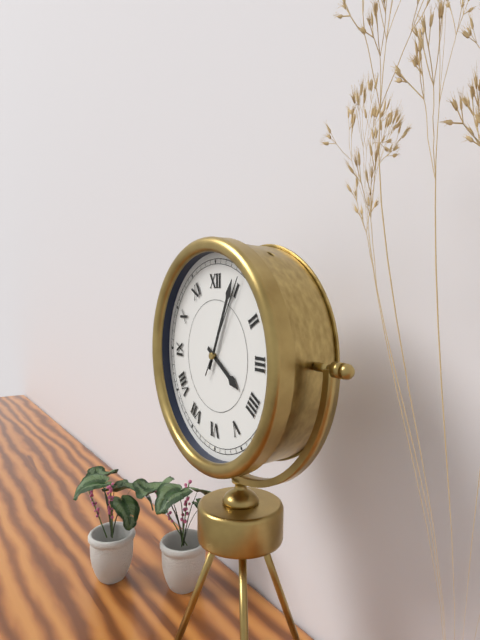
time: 4:04:05
